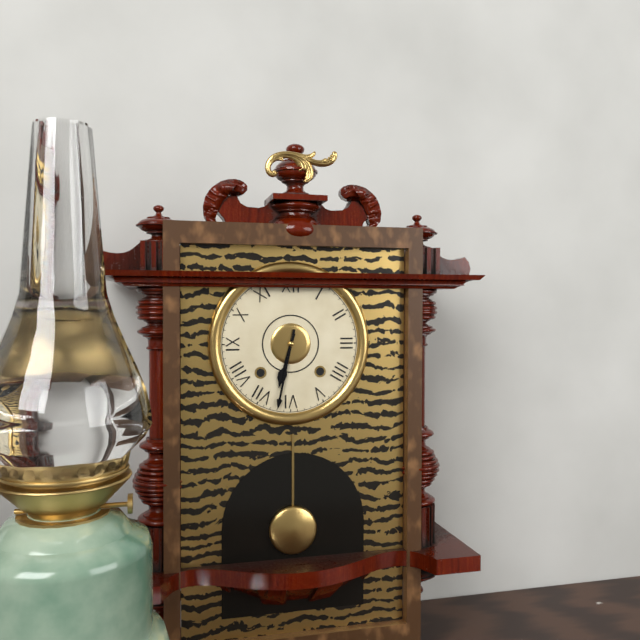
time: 6:32
